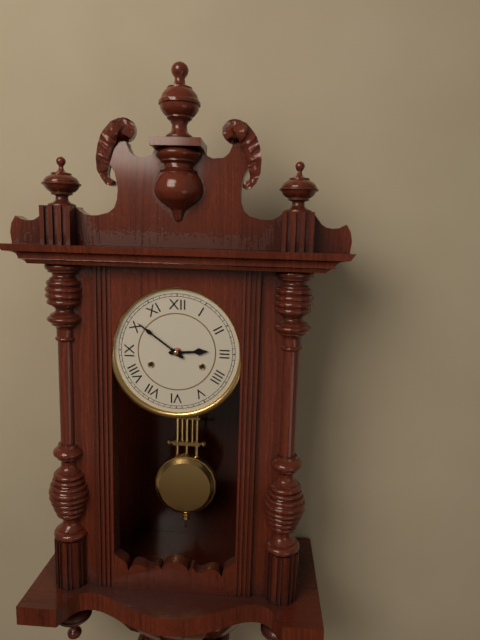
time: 2:51
